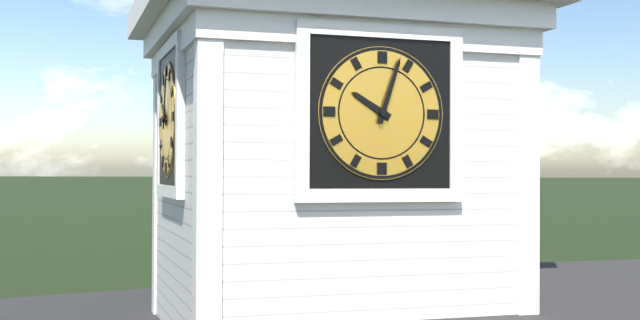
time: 10:03
